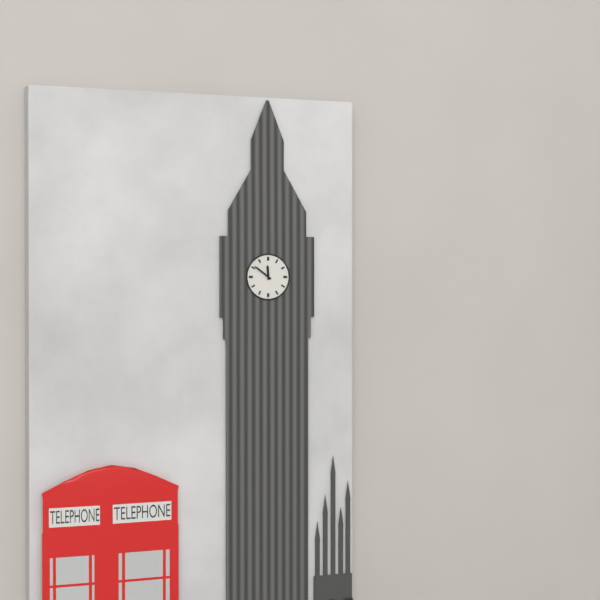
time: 11:51
